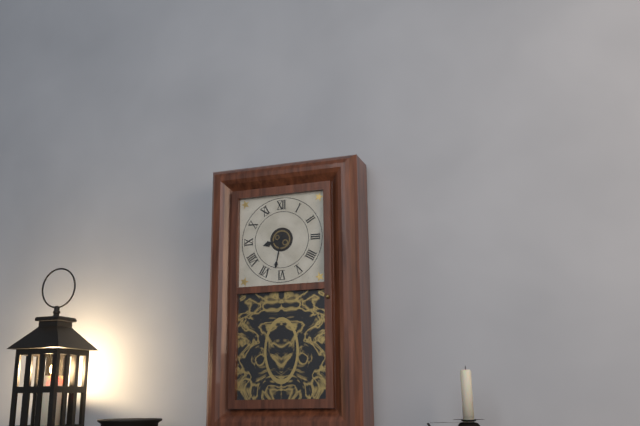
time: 8:32
